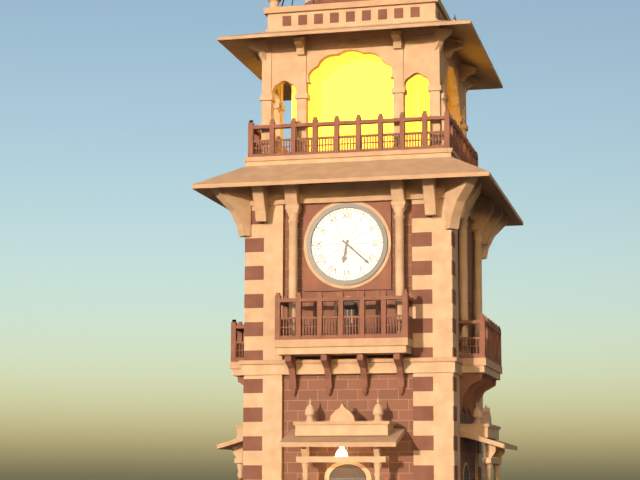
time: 6:22
